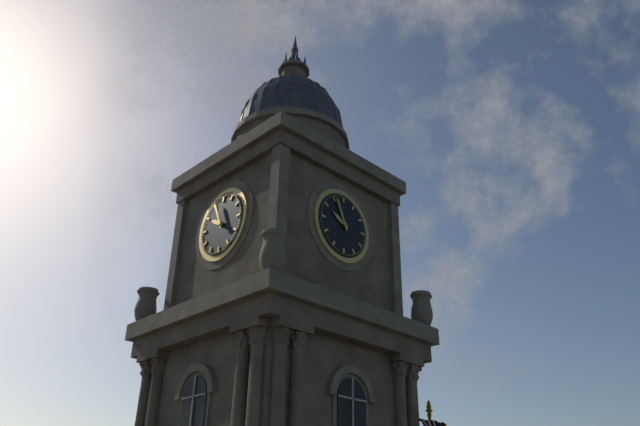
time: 9:56
